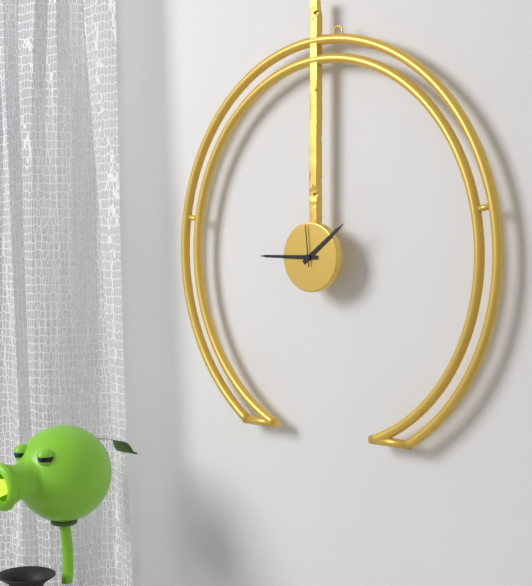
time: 1:45
